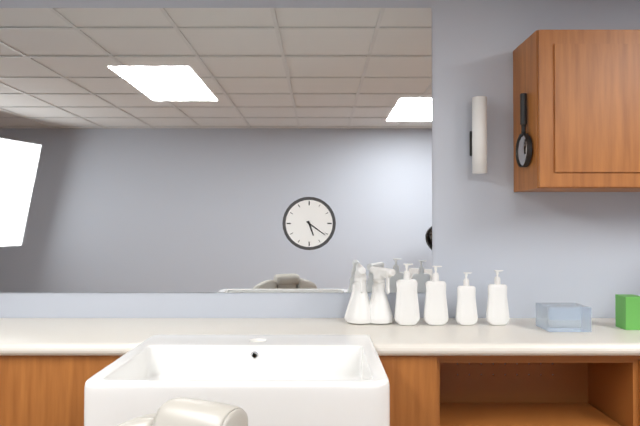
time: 5:21
